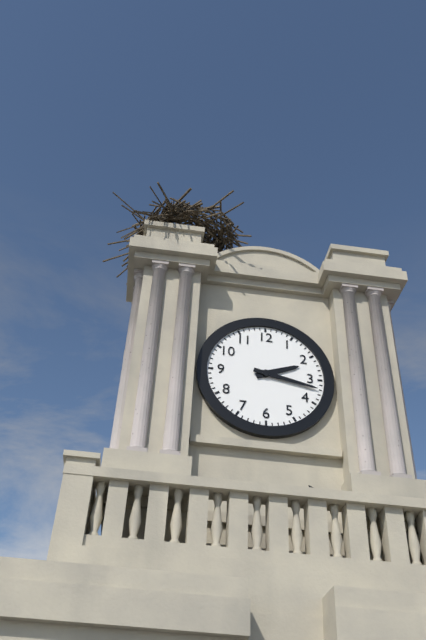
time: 2:17
